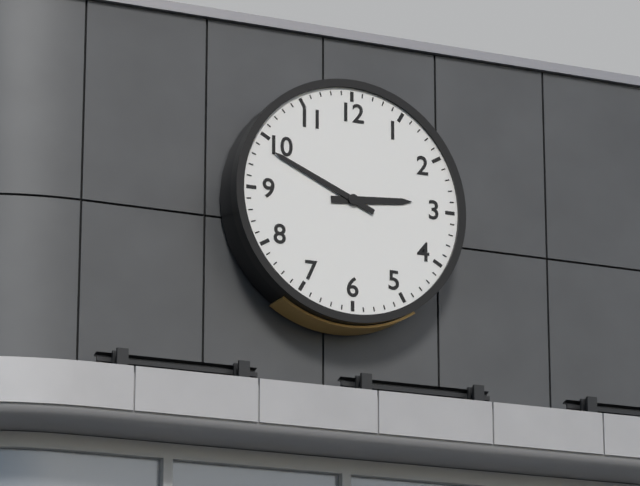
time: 2:49
